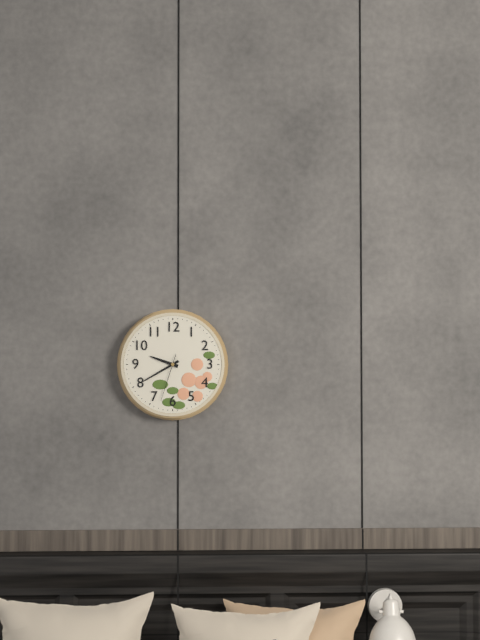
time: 9:40:33
